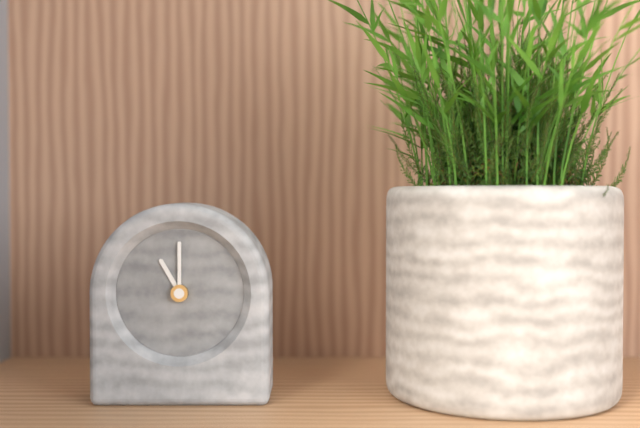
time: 11:00
